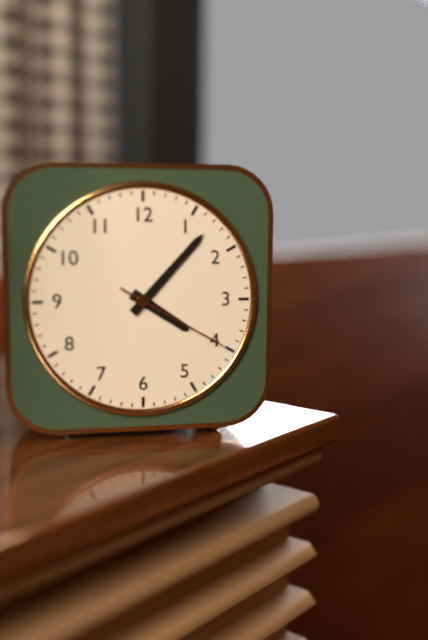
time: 4:07:20
